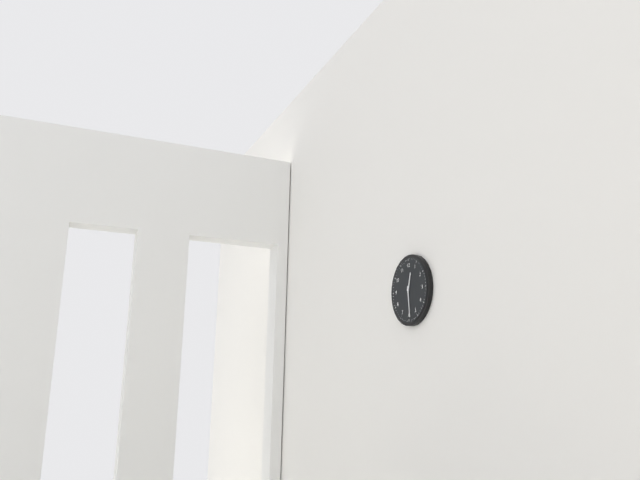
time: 12:29
